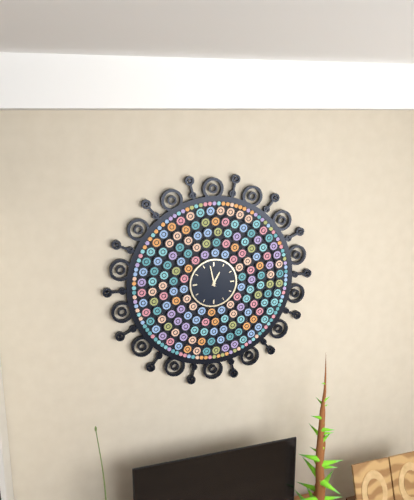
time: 12:58
